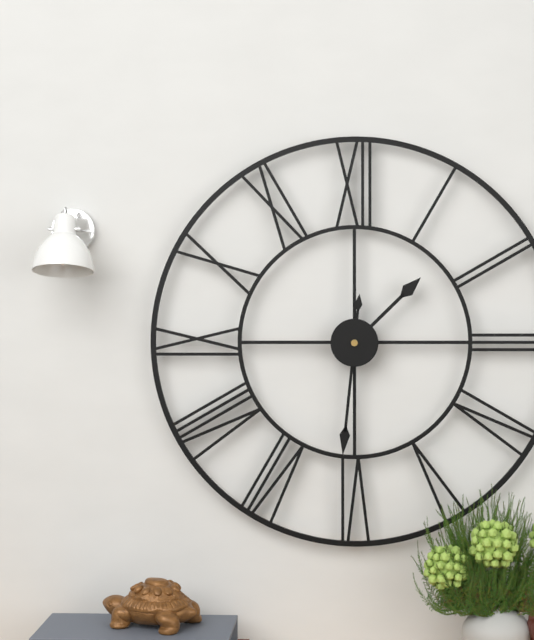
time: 1:31
